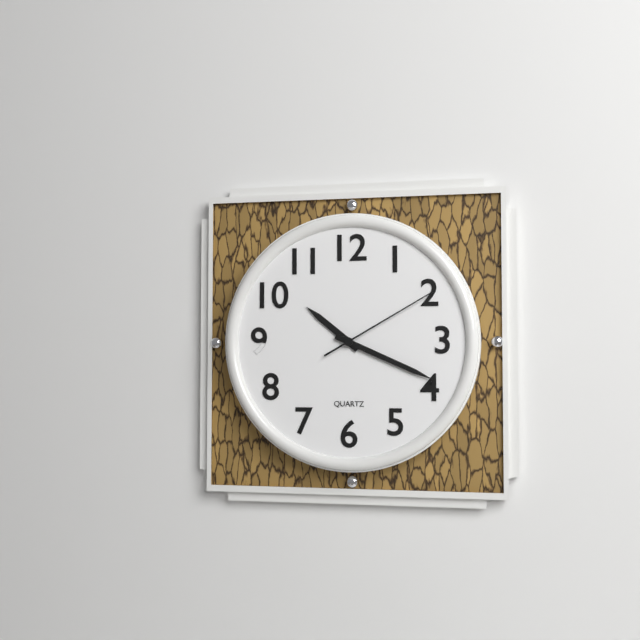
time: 10:19:10
